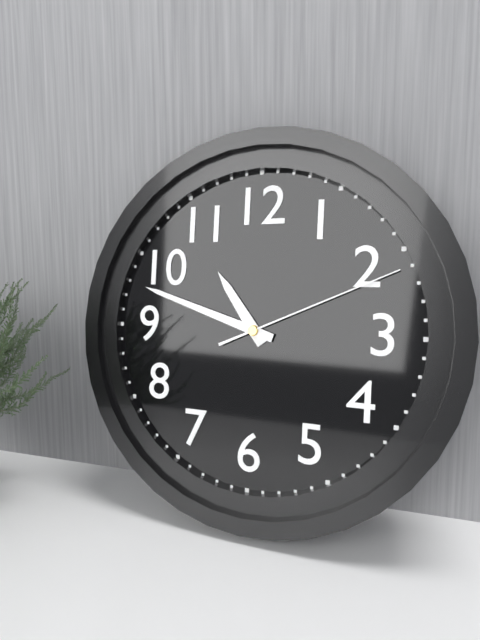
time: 10:48:11
